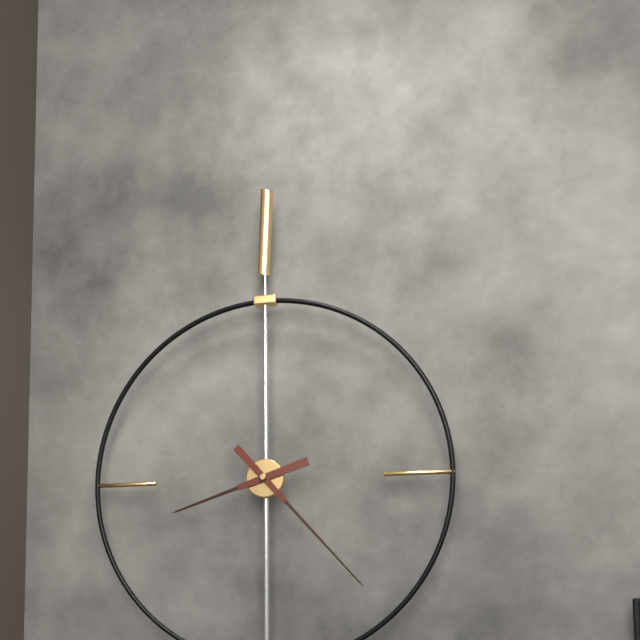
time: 8:23
